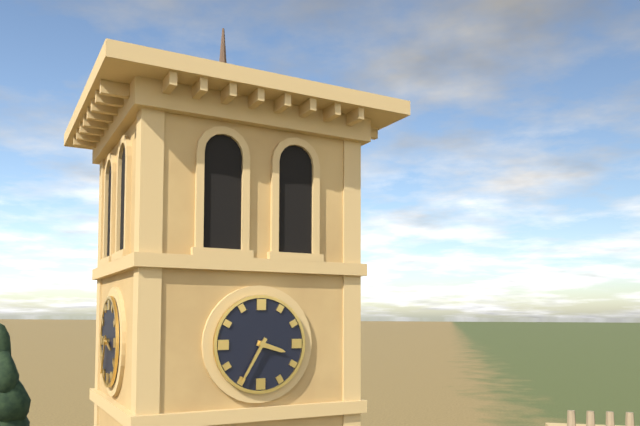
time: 3:35
